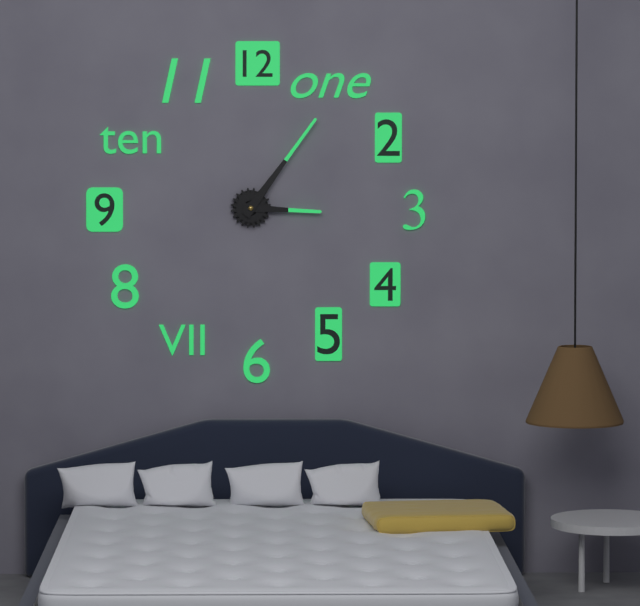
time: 3:06
